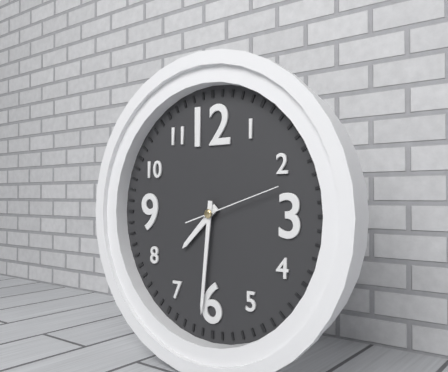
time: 7:31:12
